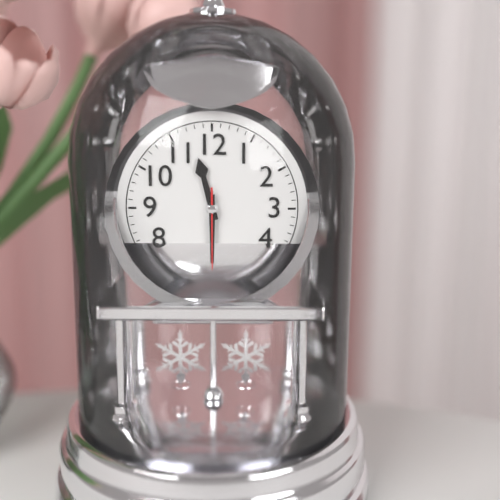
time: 11:30:30
